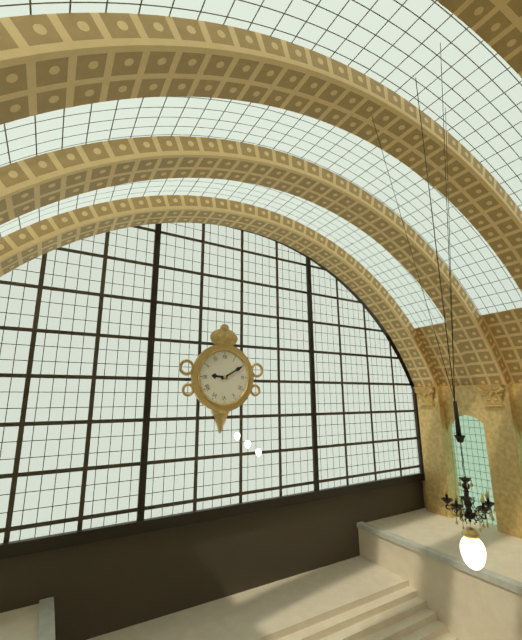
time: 9:10
